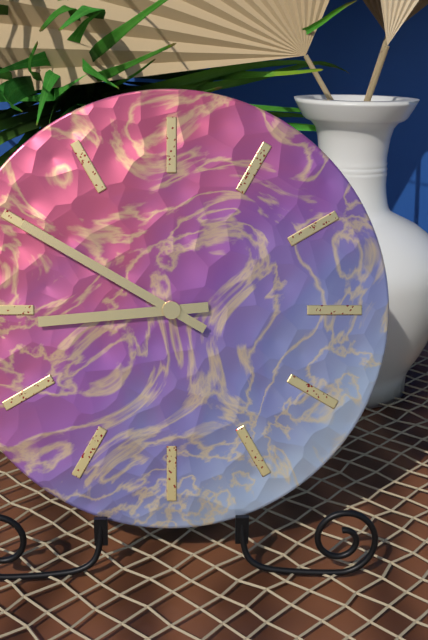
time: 8:50
